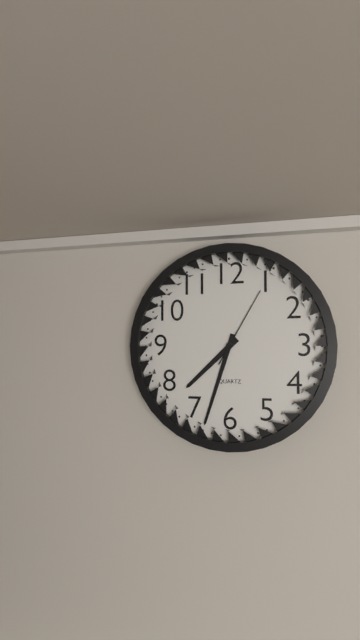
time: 7:33:05
